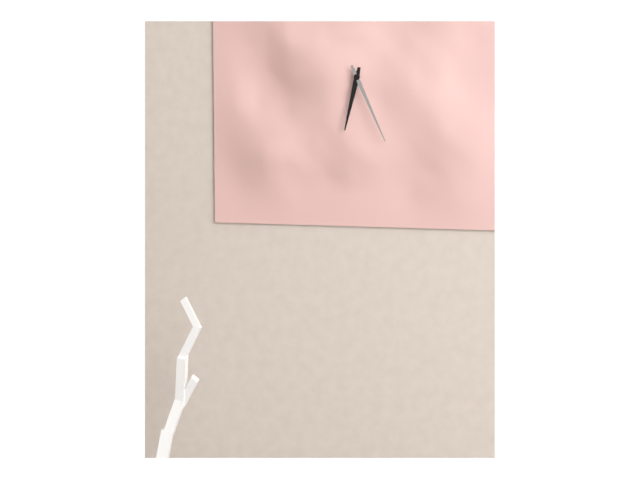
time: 6:26
